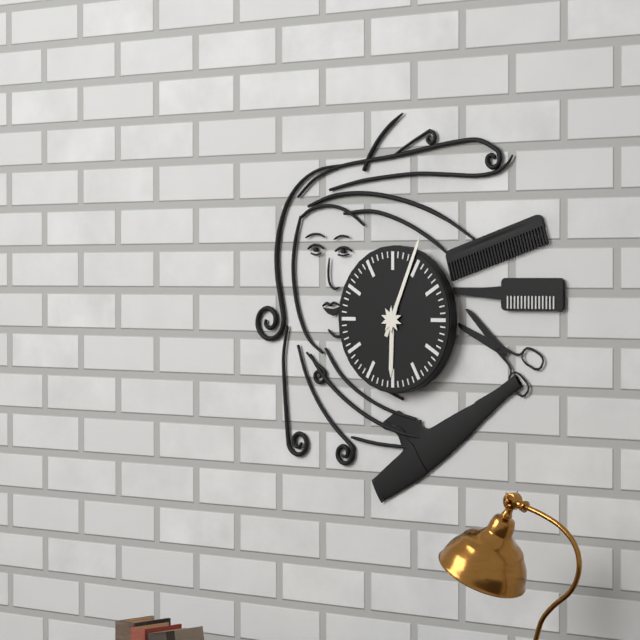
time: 6:04
